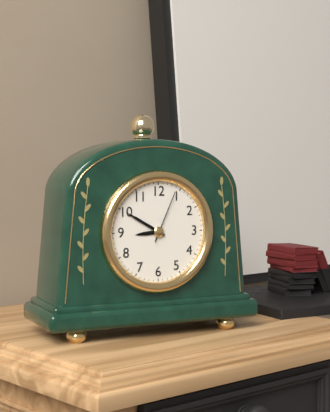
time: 8:50:04
